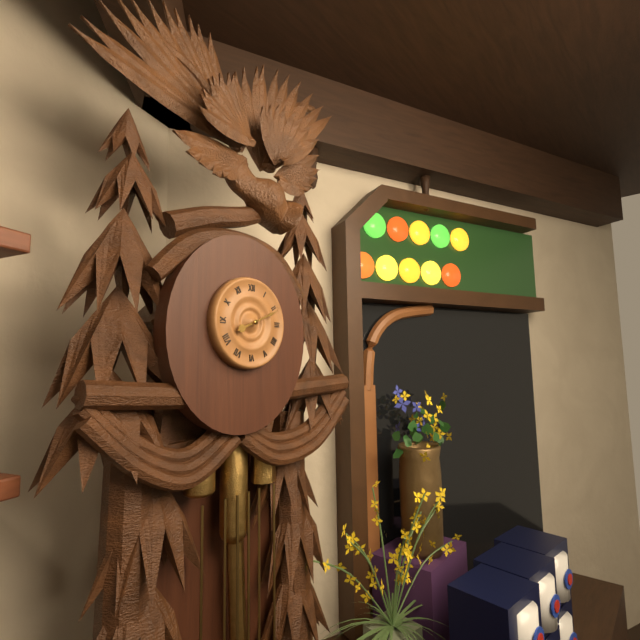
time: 8:11
